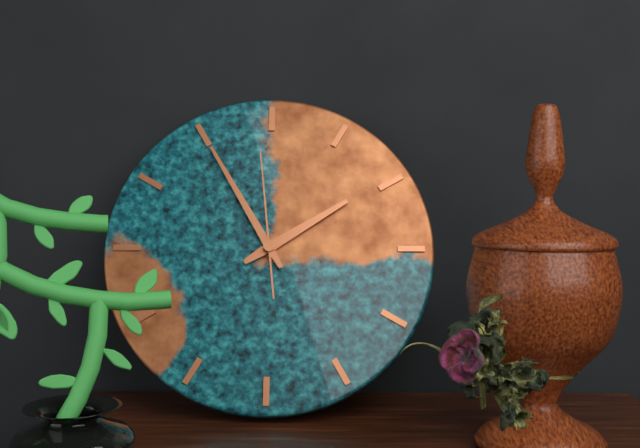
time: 1:55:59
